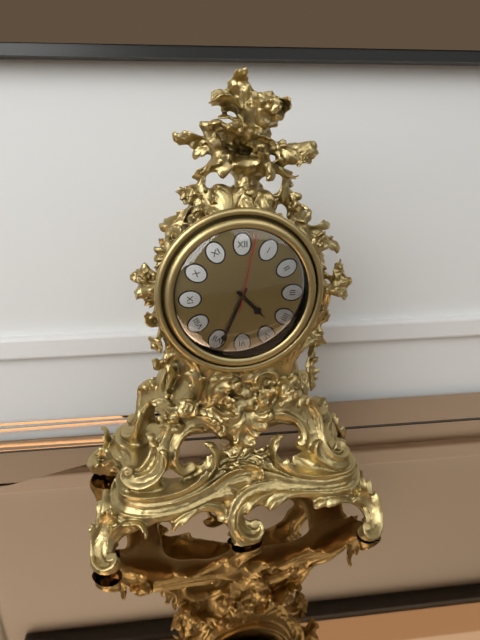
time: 4:34:02
